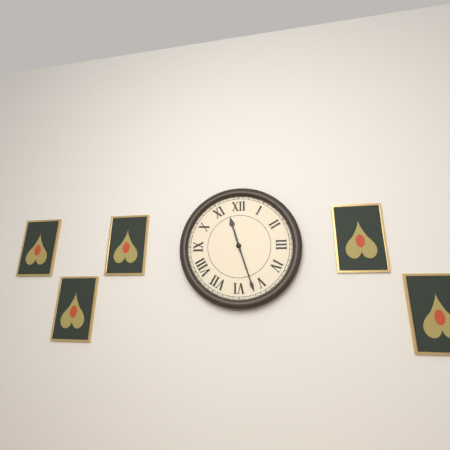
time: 11:27
